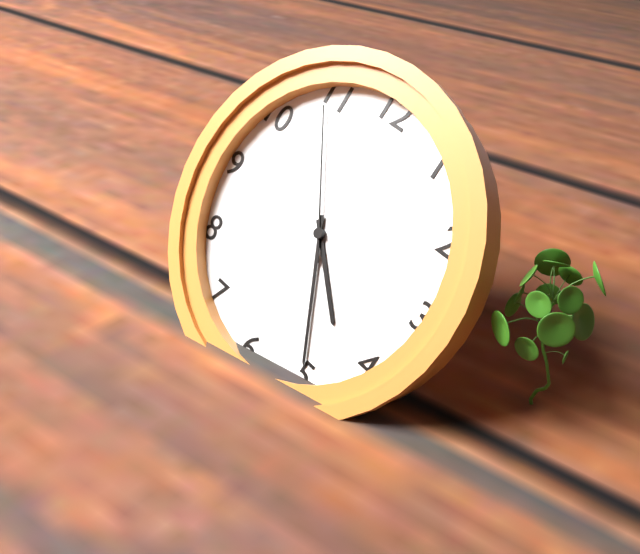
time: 4:25:54
